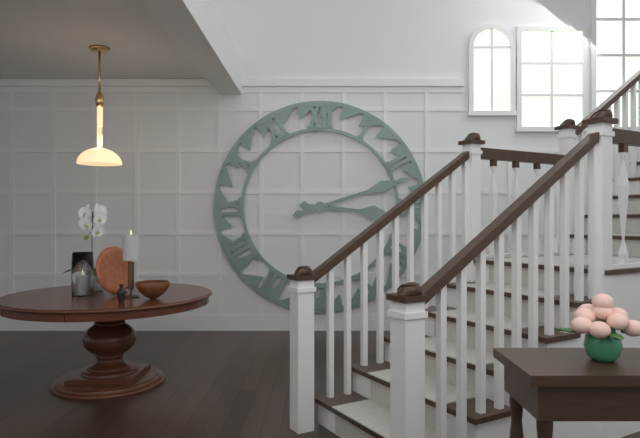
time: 3:12
